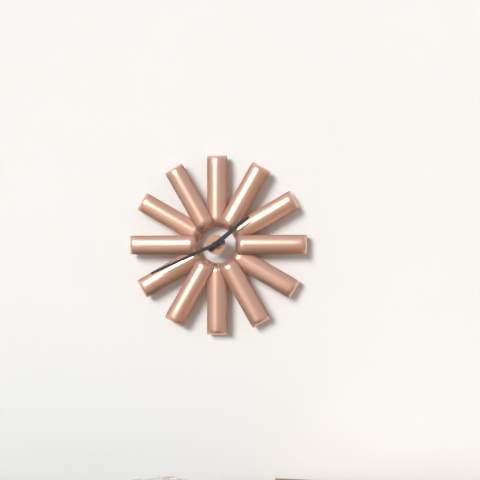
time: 1:41
